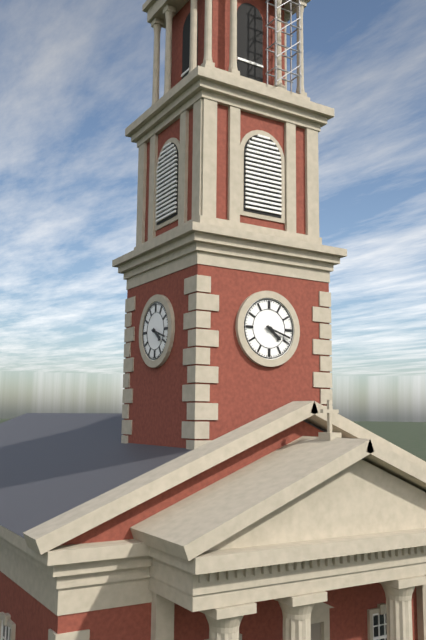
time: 4:18
